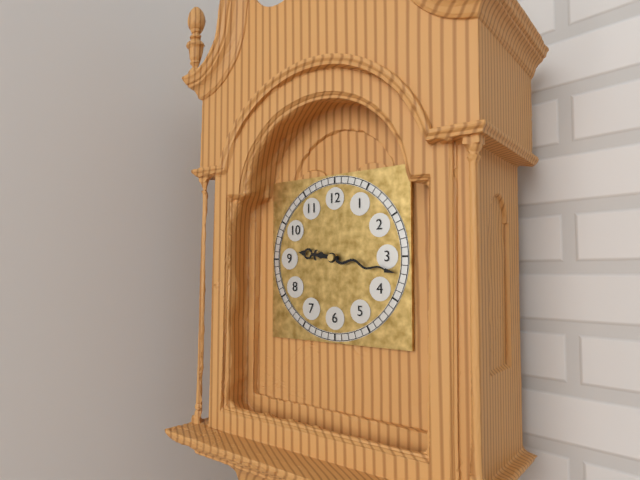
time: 9:17
